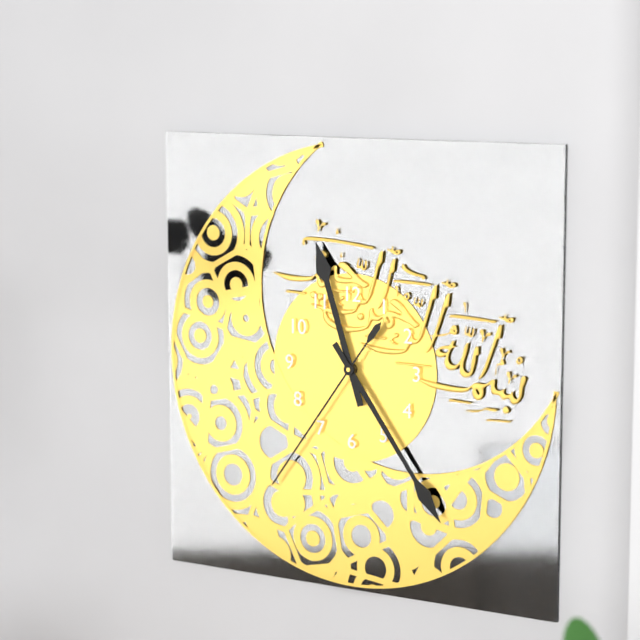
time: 11:24:36
